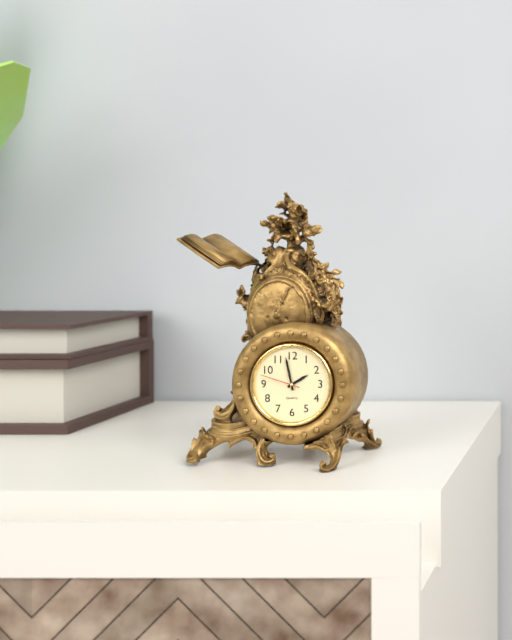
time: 1:58
